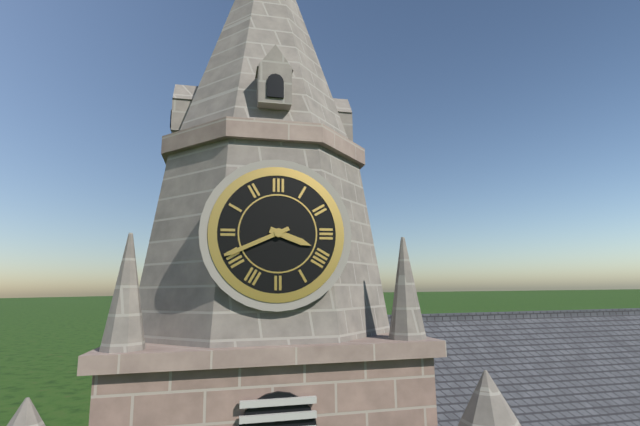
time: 3:41
